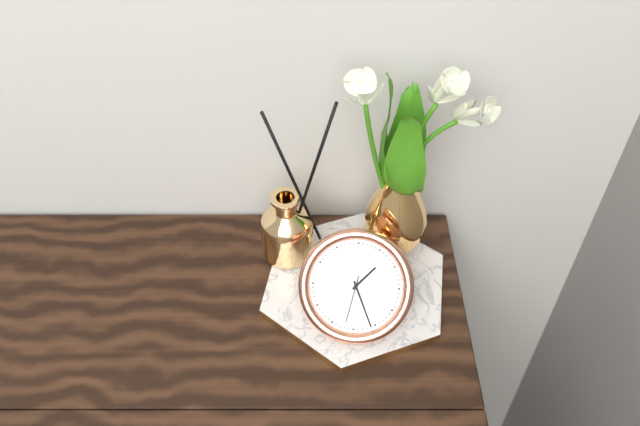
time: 1:26
